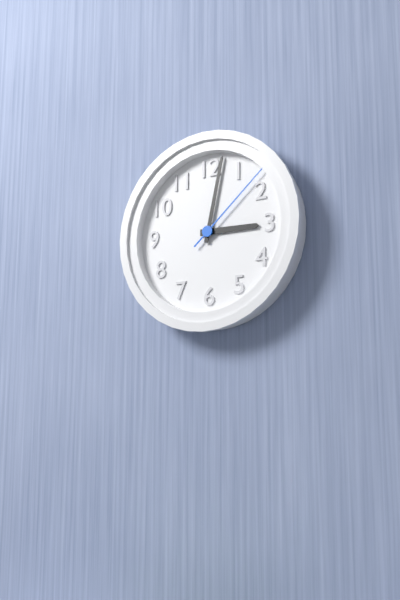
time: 3:02:08
